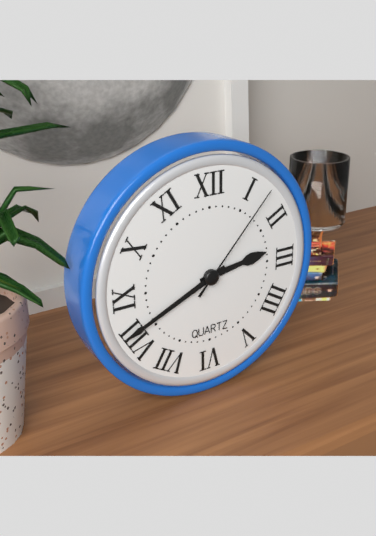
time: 2:41:07
